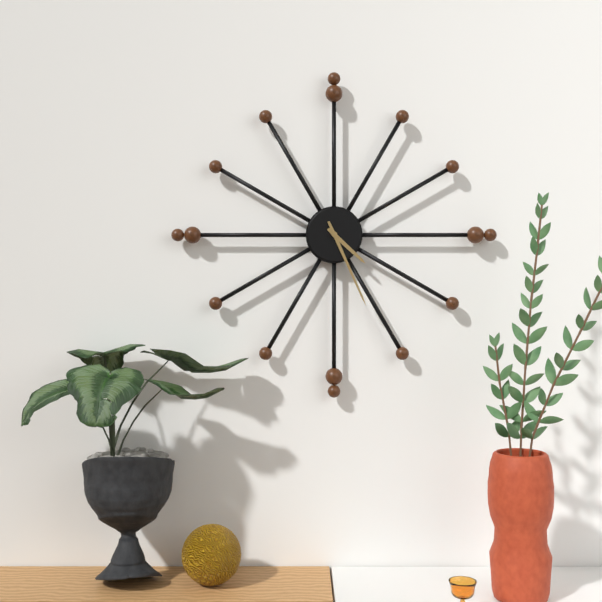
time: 4:26
